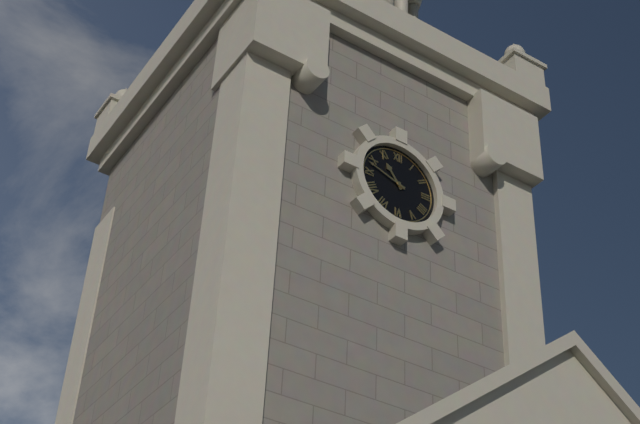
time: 10:48
